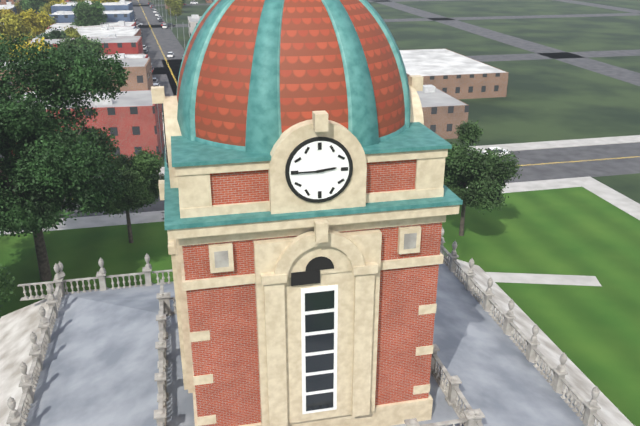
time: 2:45
